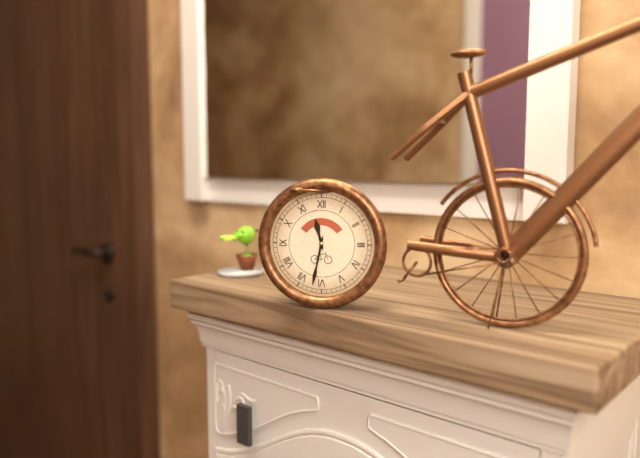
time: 11:32
